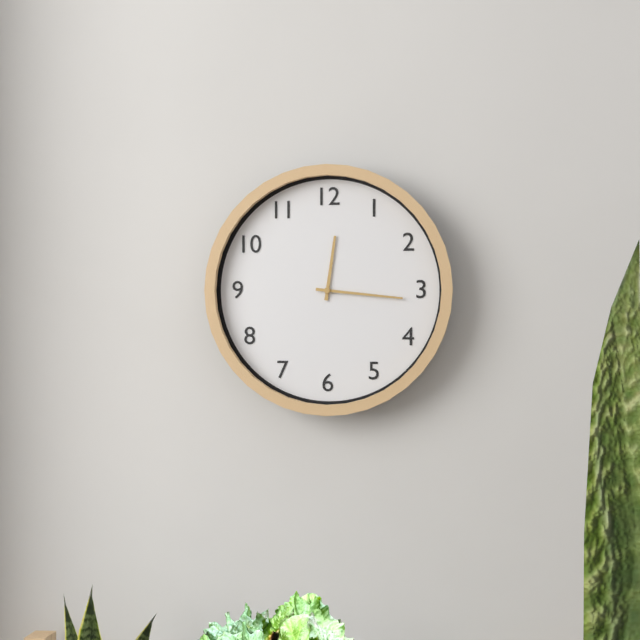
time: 12:16
